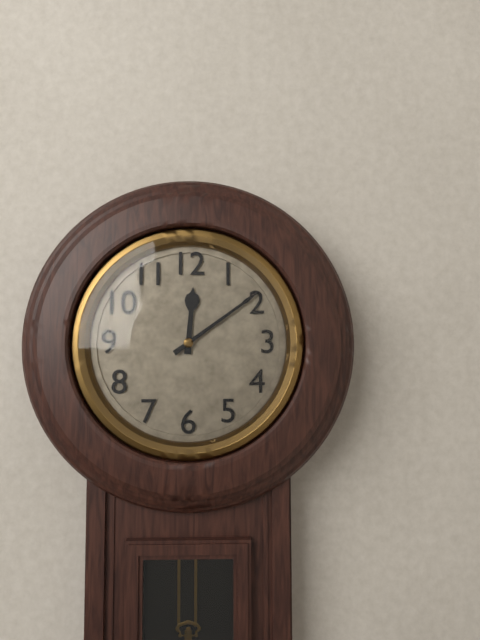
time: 12:09
